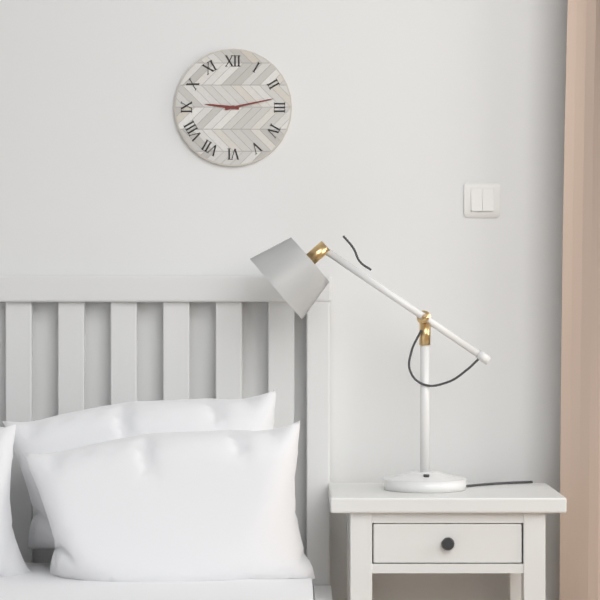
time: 9:13
